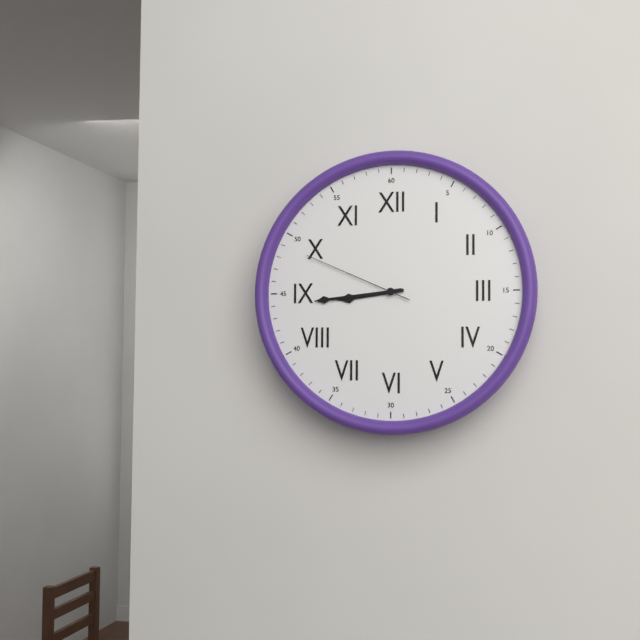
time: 8:44:49
